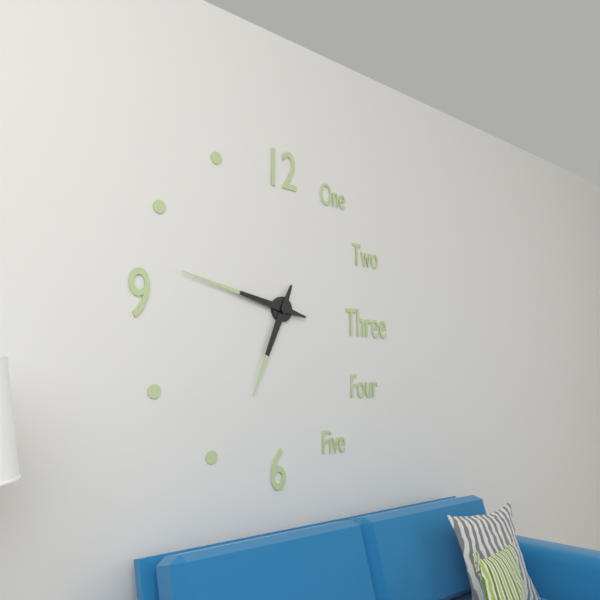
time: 6:47
